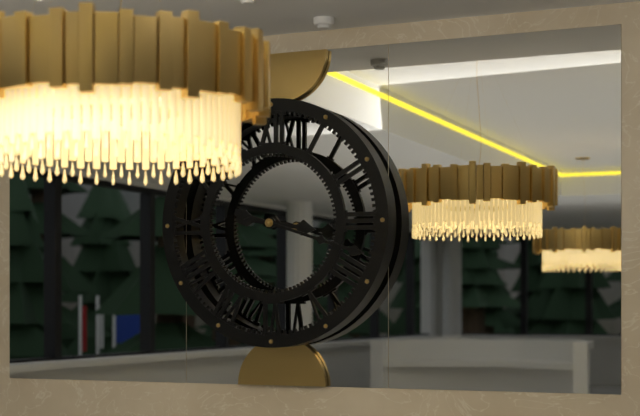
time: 3:18
